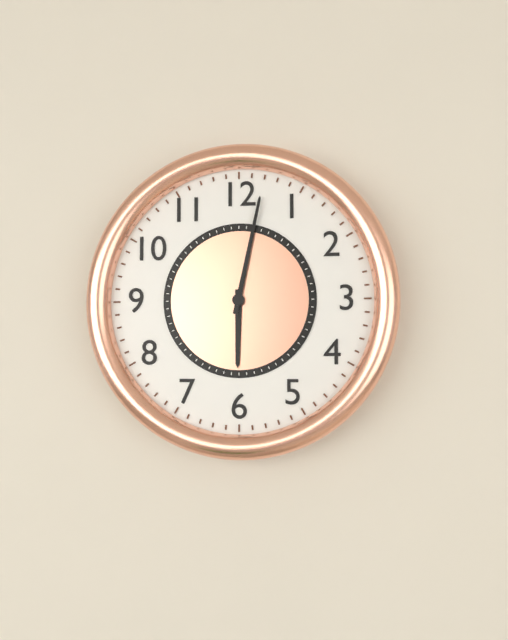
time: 6:02
